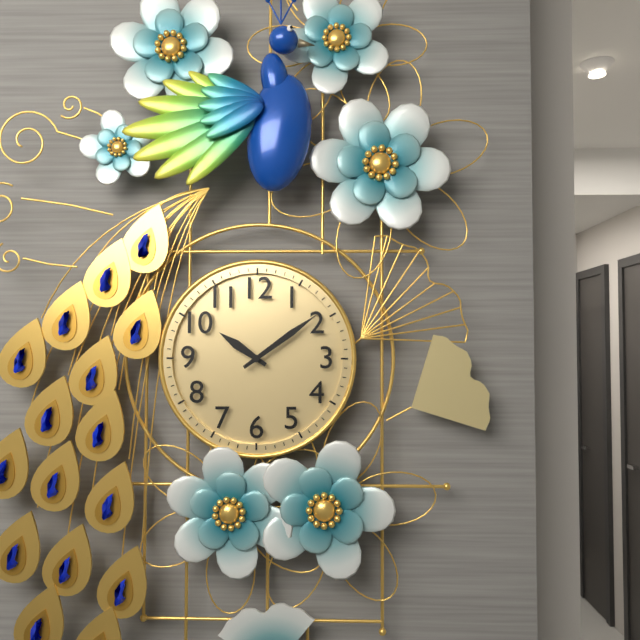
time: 10:09
